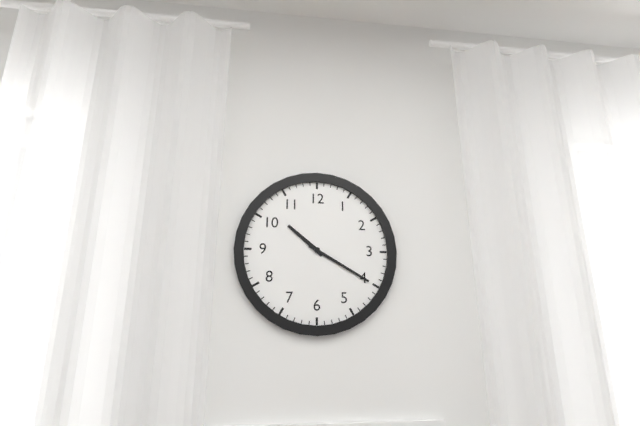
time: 10:20
